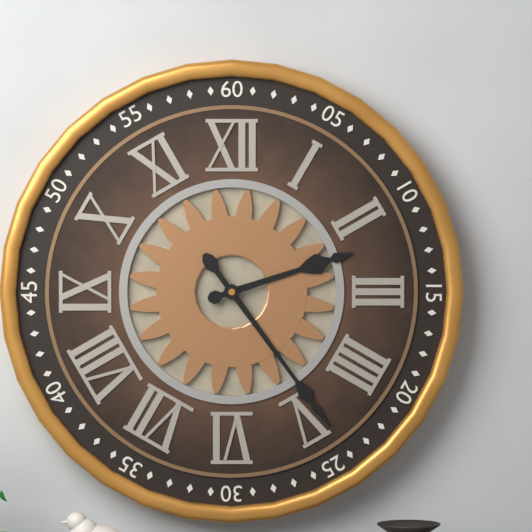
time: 2:24
